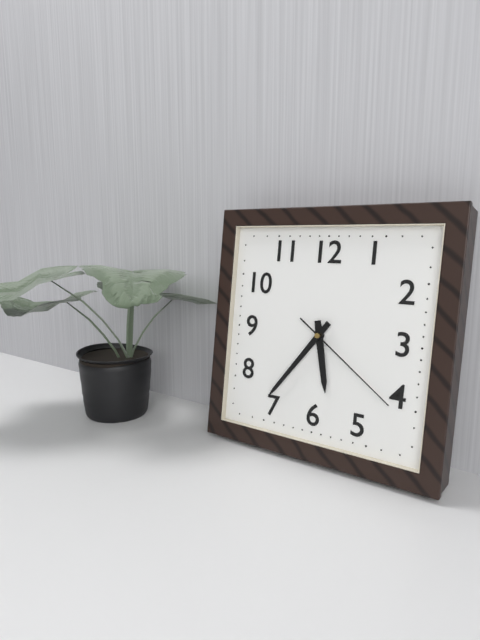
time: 5:36:21
